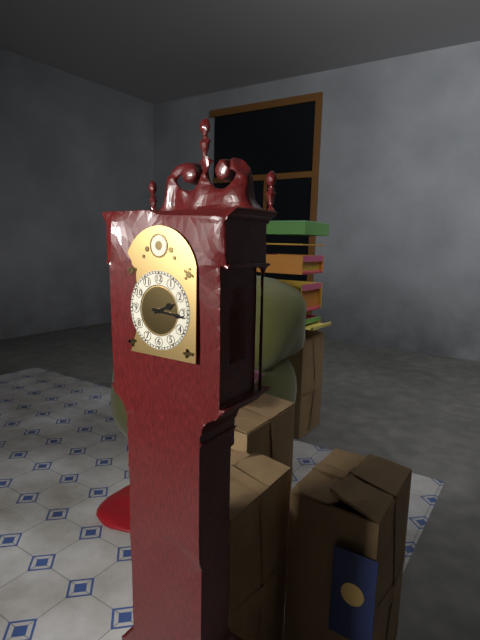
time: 2:16
